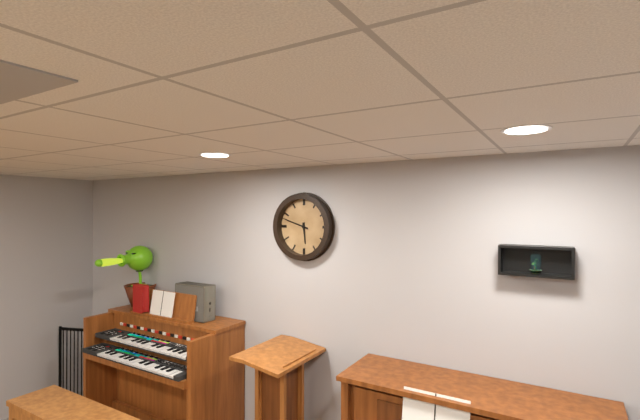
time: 5:48
